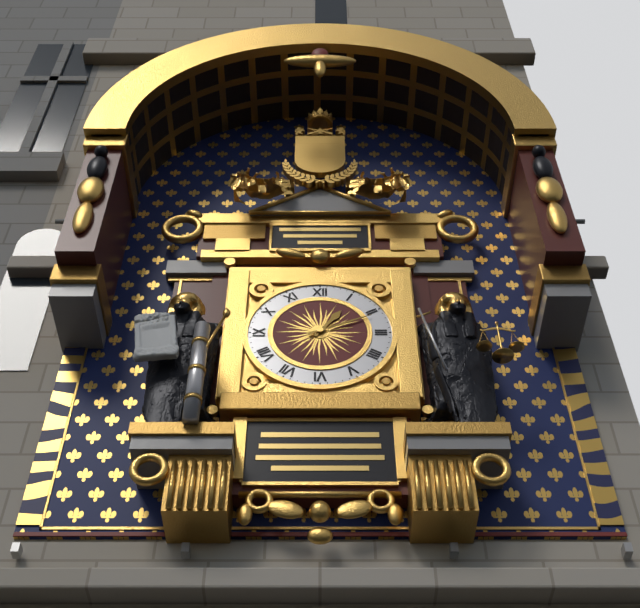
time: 1:11
